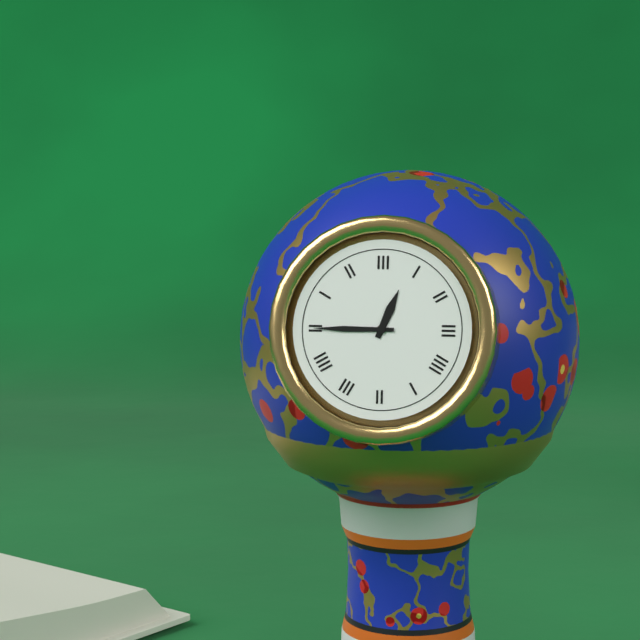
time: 12:45
